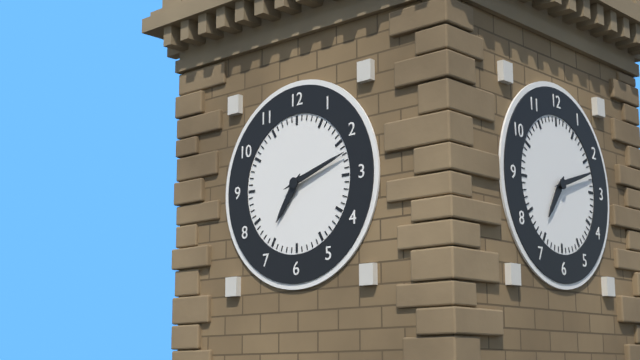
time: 7:12
